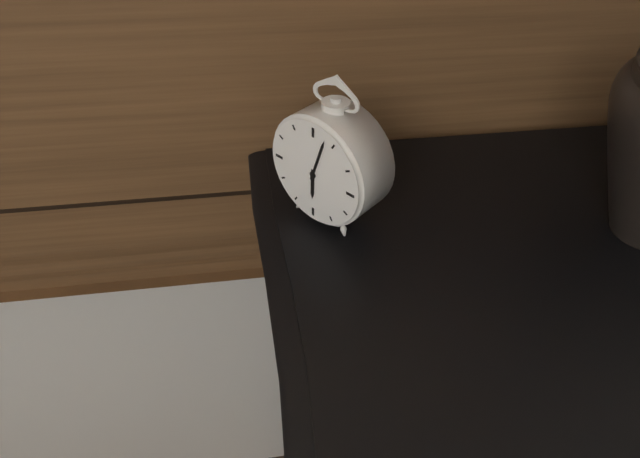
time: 6:03
